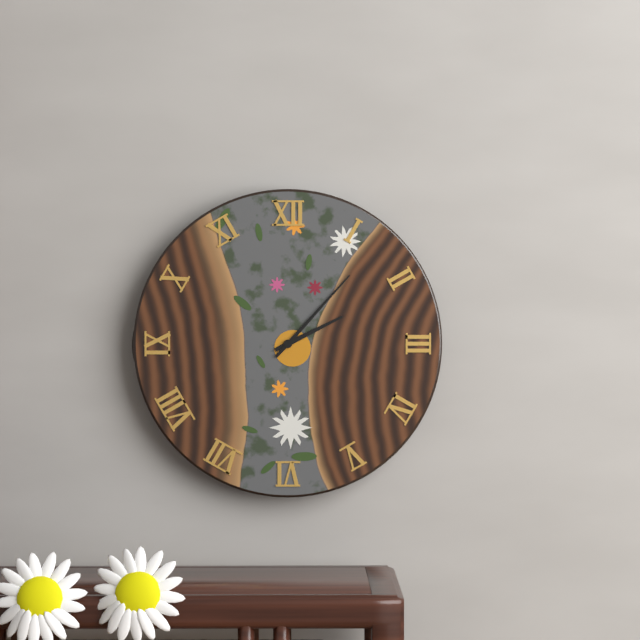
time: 2:07
